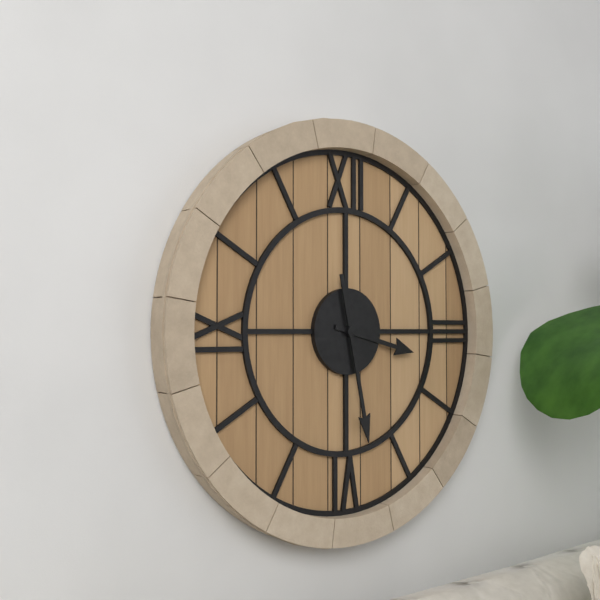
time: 3:28
